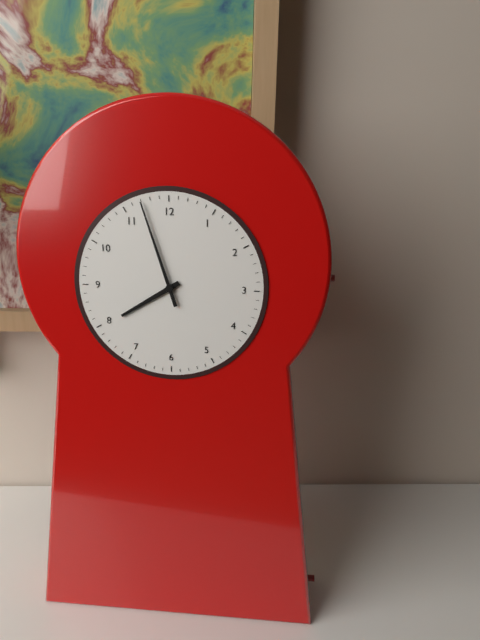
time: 7:57
